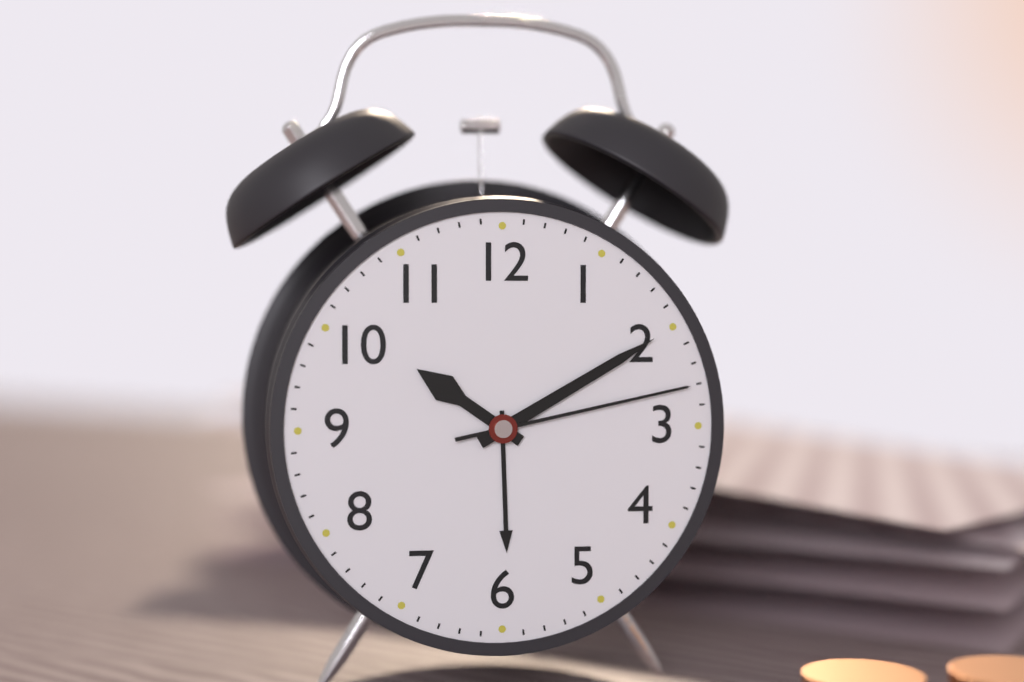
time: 10:10:13
